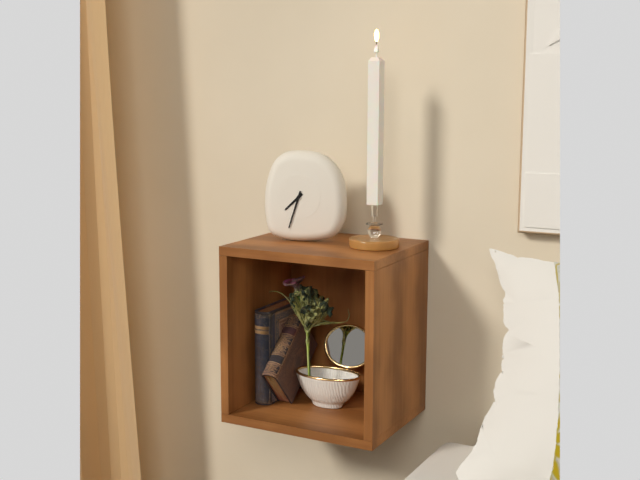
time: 7:33
